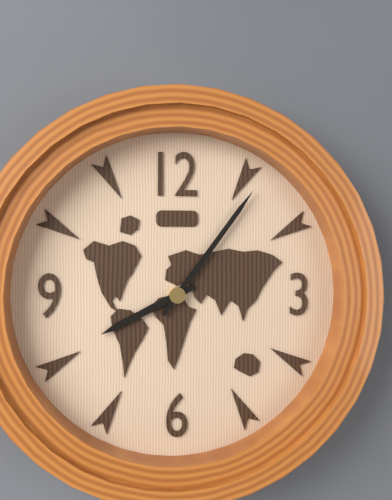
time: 8:06
